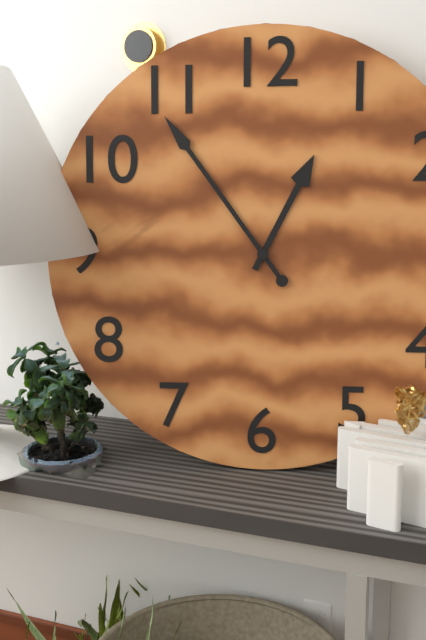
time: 12:54
